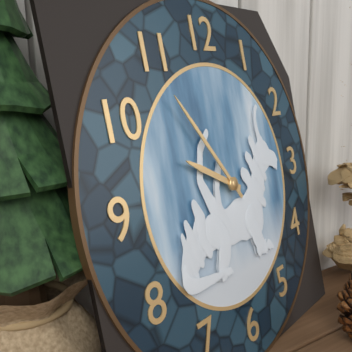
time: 9:54
